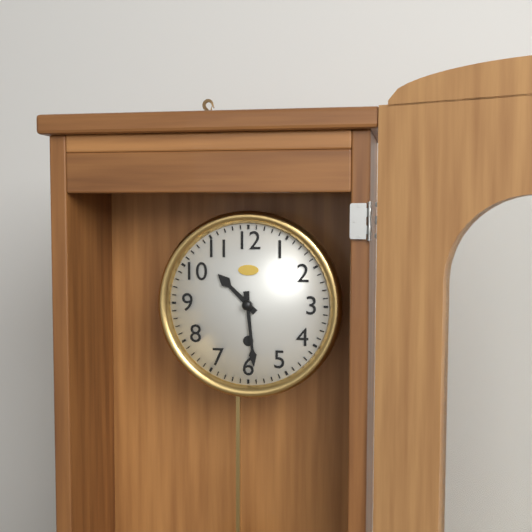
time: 10:29
